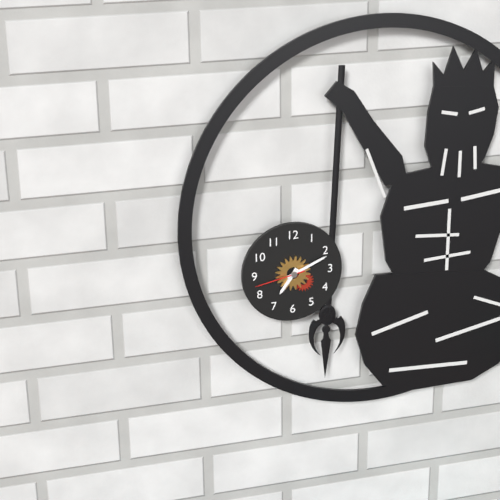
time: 7:11:43
